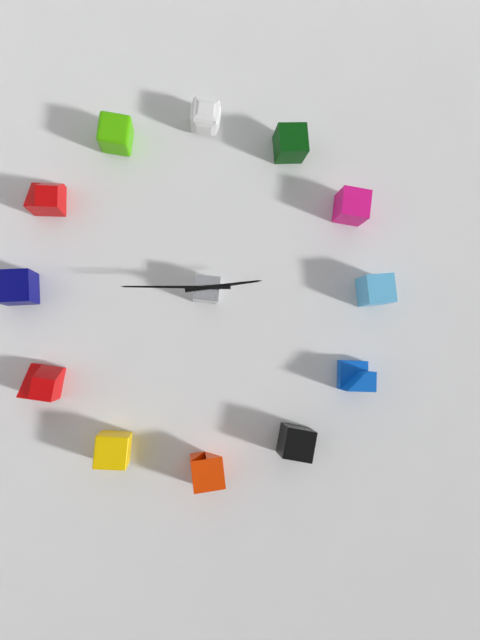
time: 2:45
